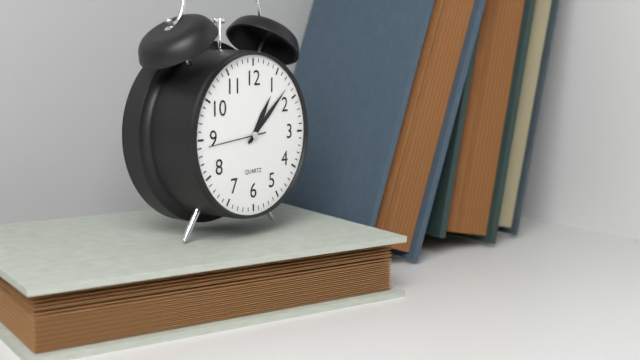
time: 1:08:44
